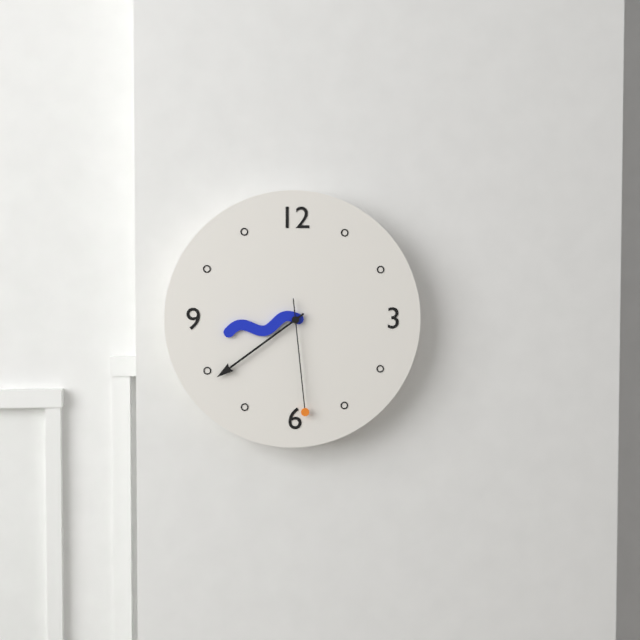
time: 8:39:29
